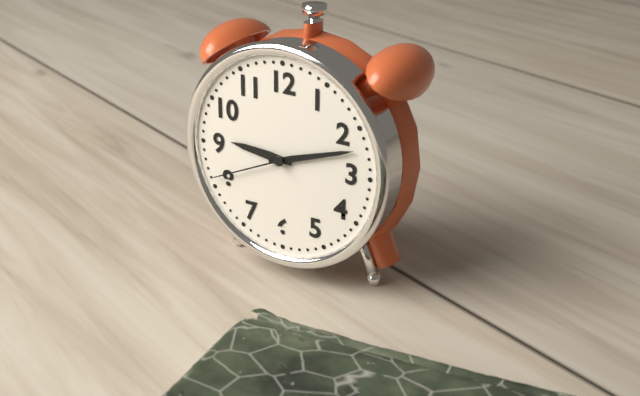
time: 9:12:41
